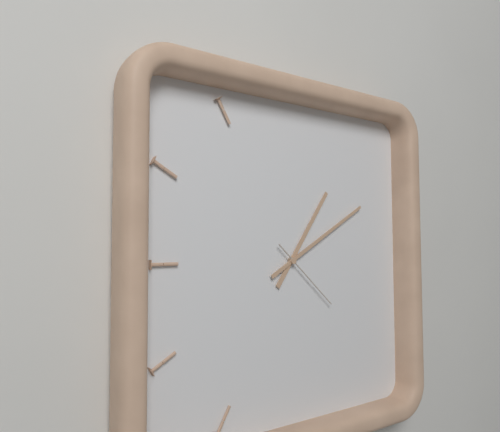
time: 1:10:22
